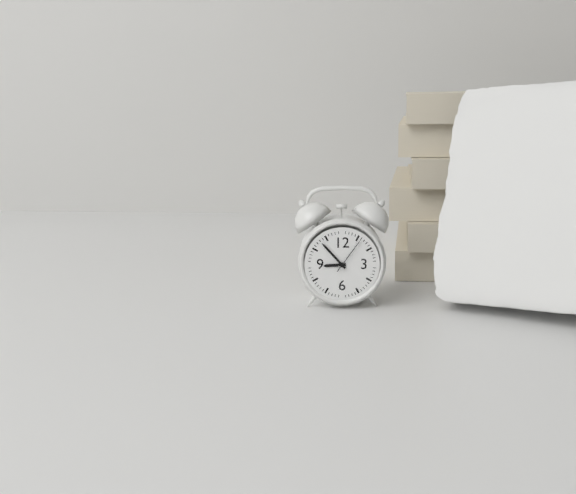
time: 8:53
